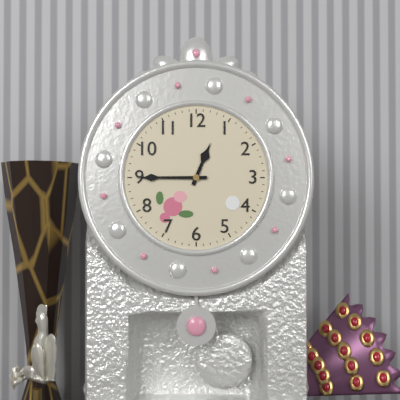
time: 12:45
